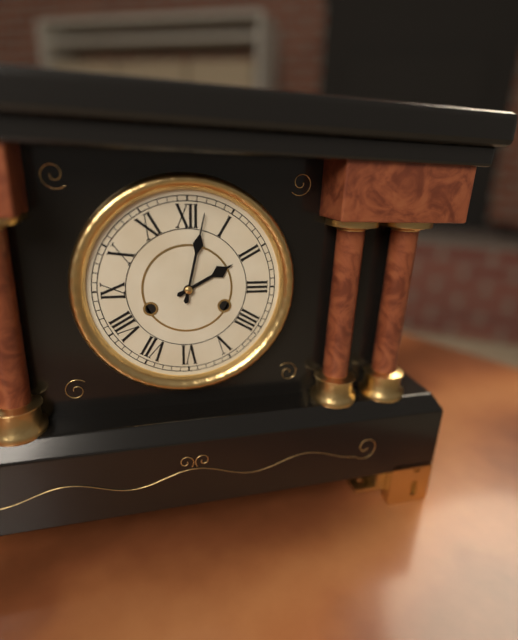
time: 2:02
